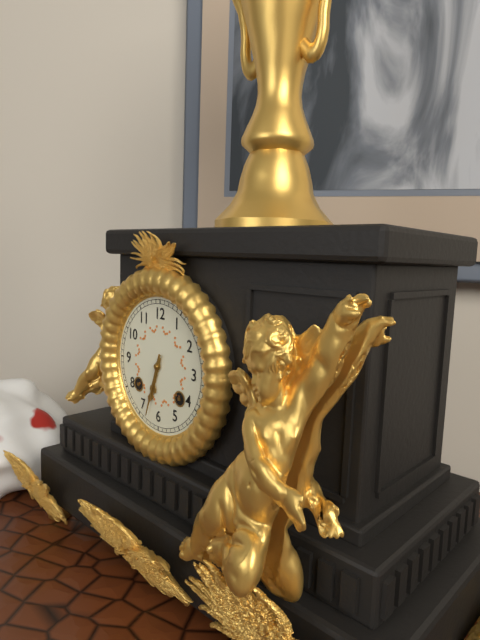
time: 6:33
